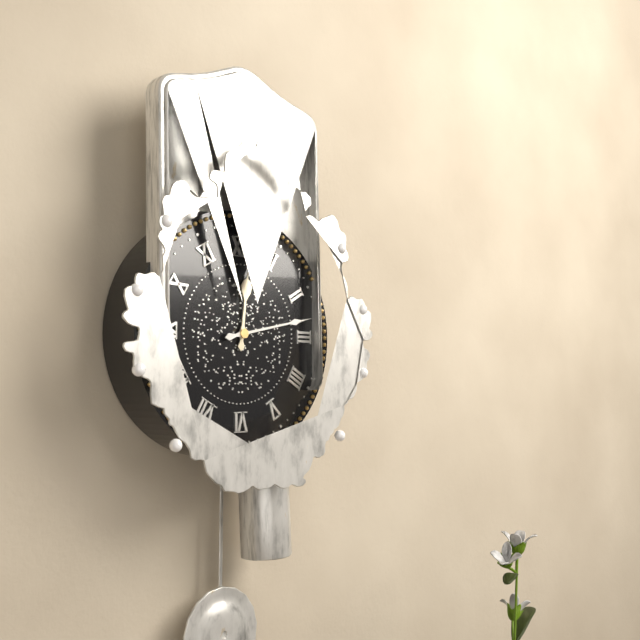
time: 12:13
